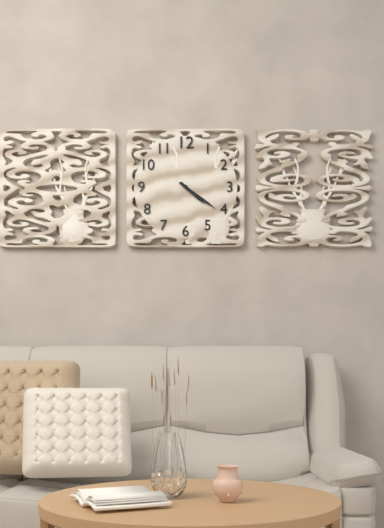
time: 4:21
